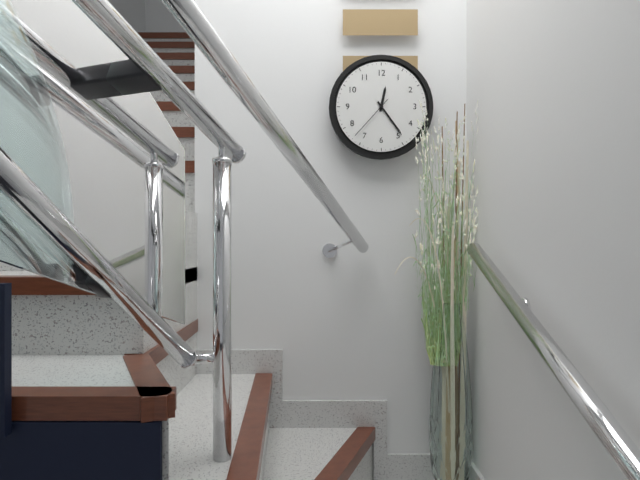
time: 12:24
